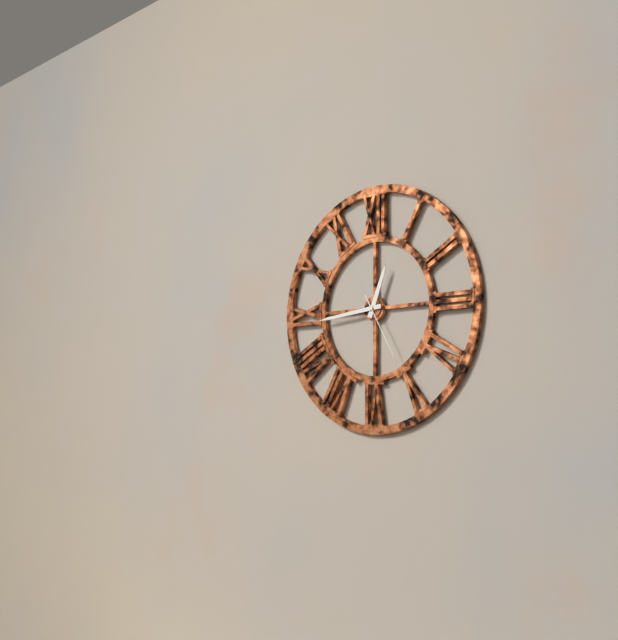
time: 12:44:25
